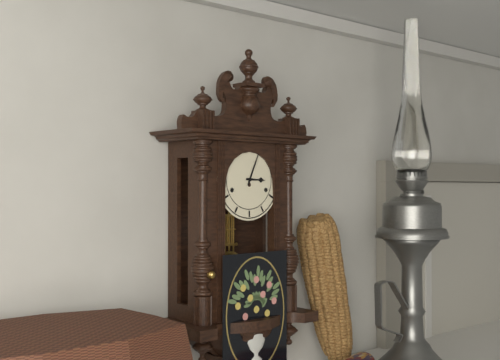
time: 3:04
